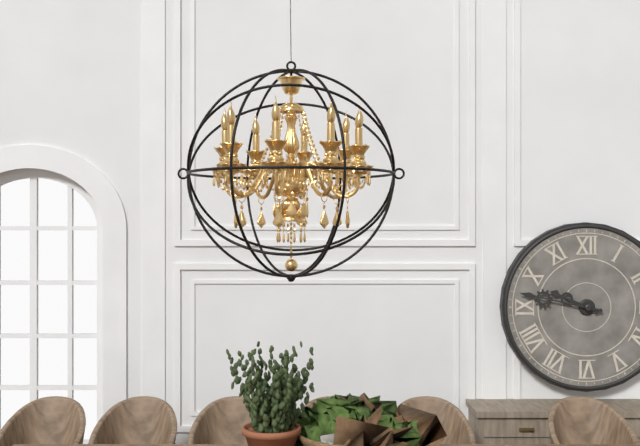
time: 9:47
